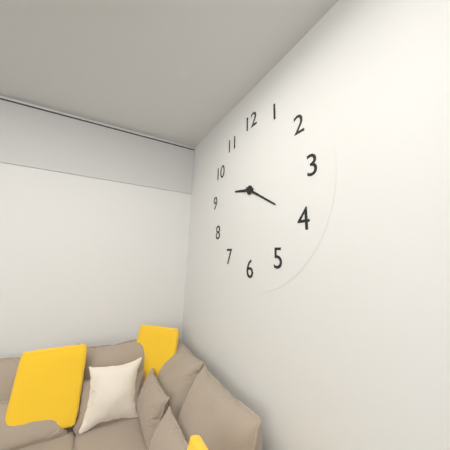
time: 9:20
